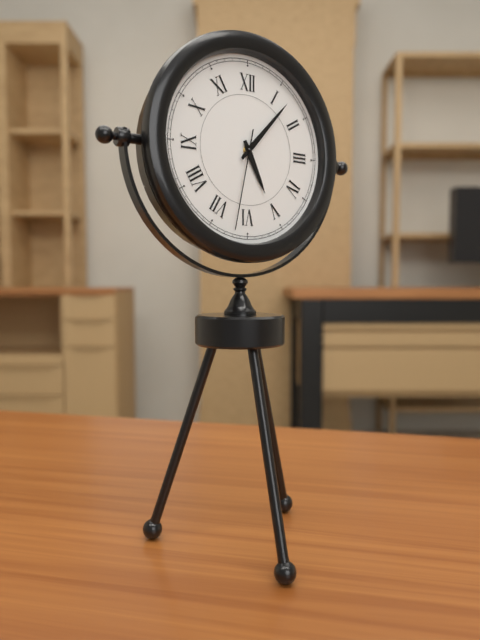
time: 5:07:32
